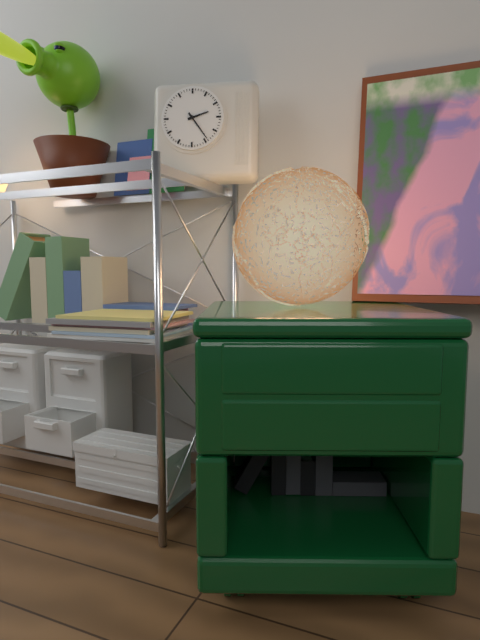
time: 2:24
